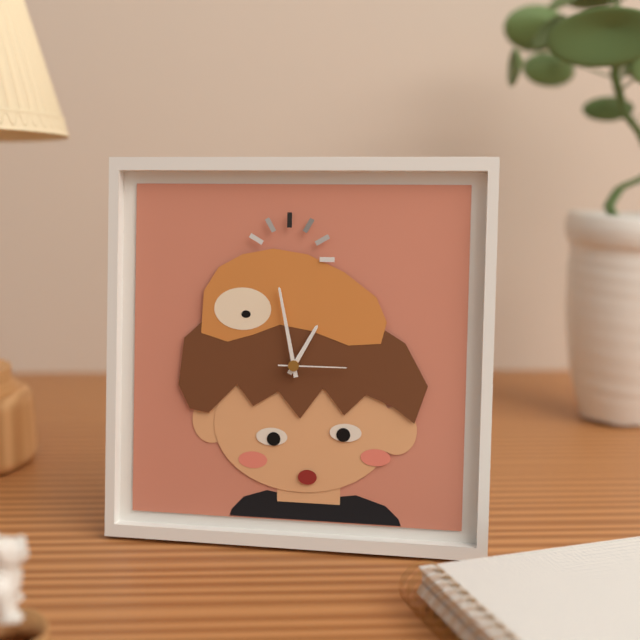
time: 12:58:15
